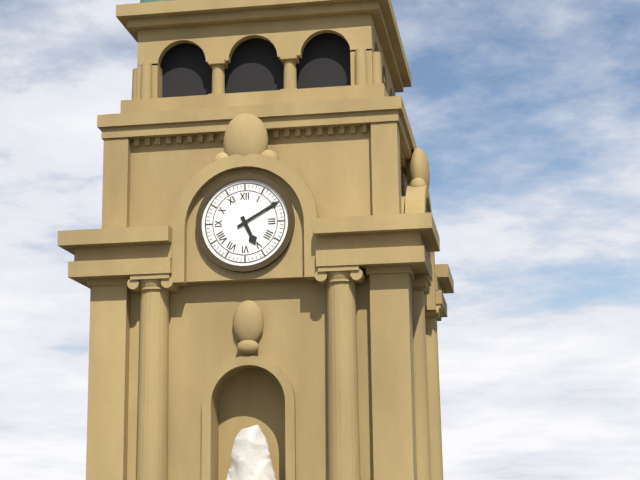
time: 5:10
